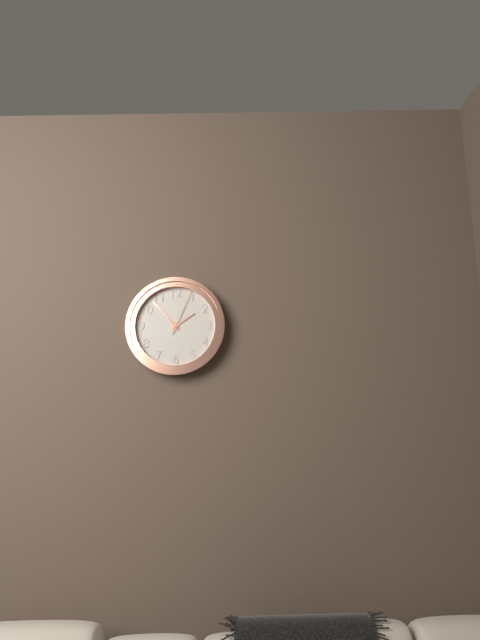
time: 1:53
